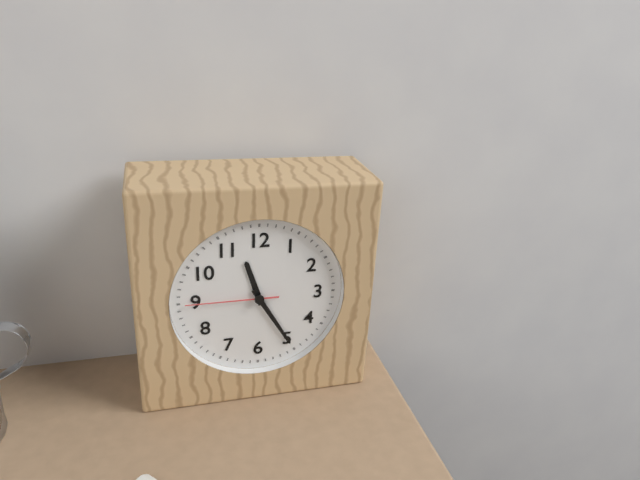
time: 11:25:45
